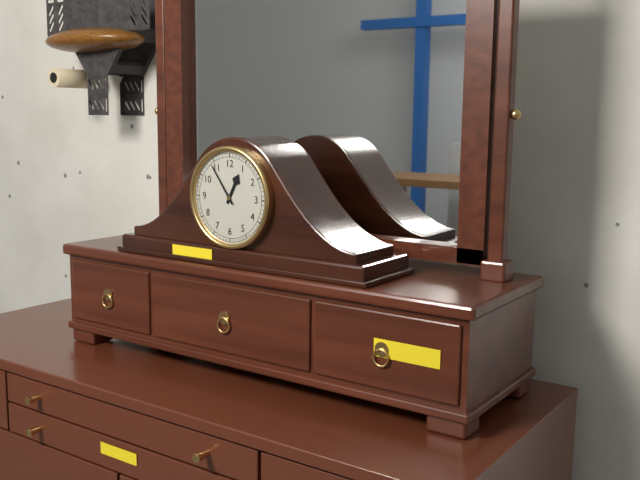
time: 12:54
